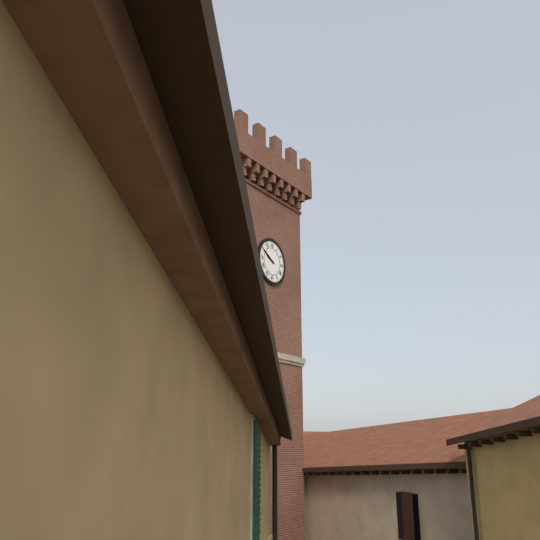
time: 9:50
